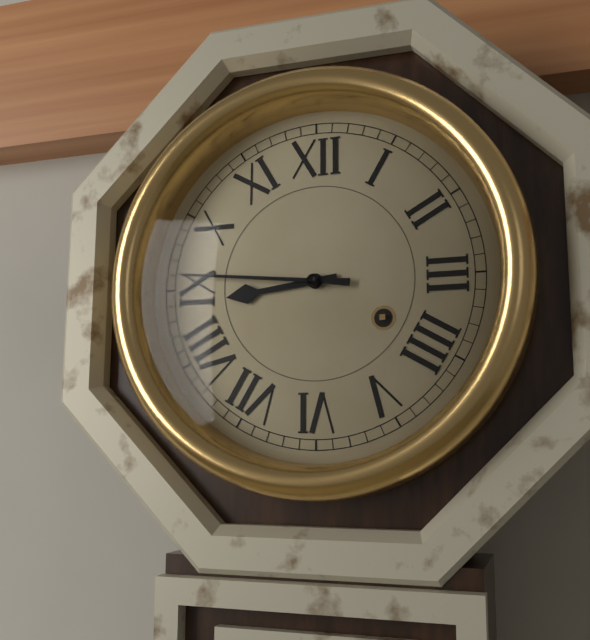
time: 8:46
